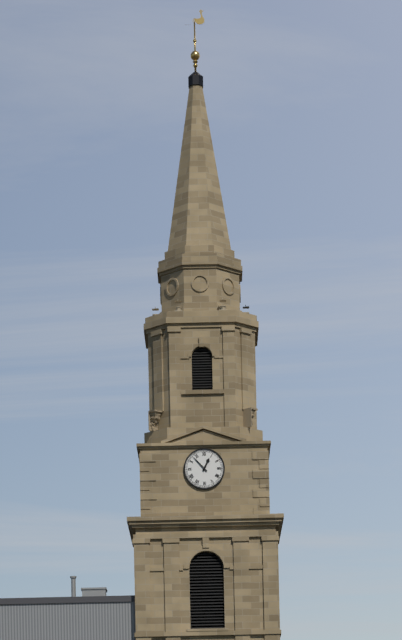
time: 12:53
